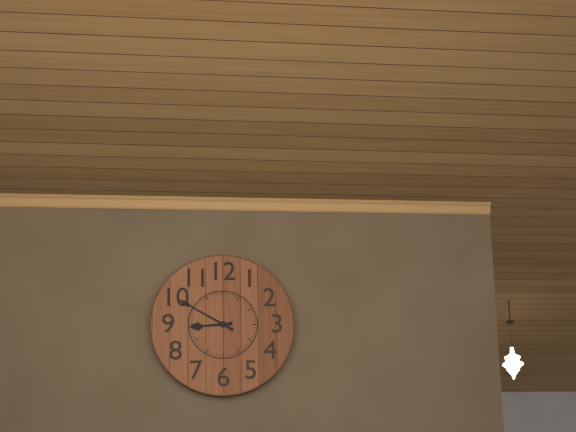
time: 8:50
